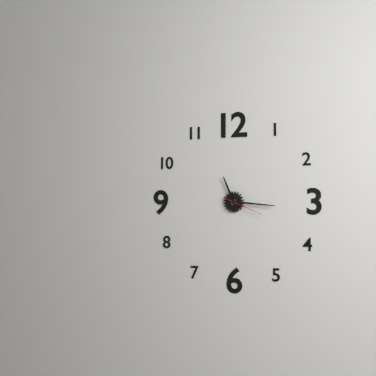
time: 11:16
